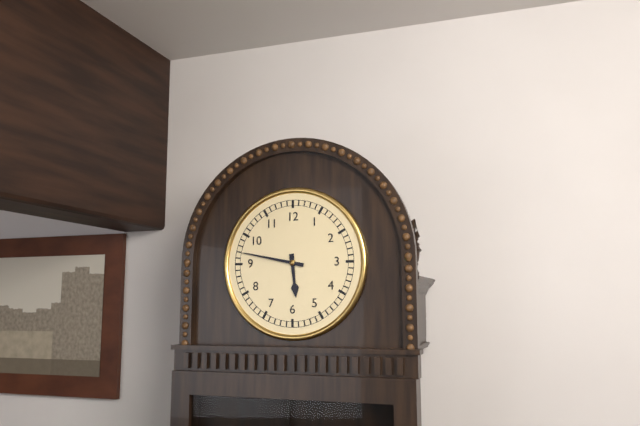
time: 5:47
